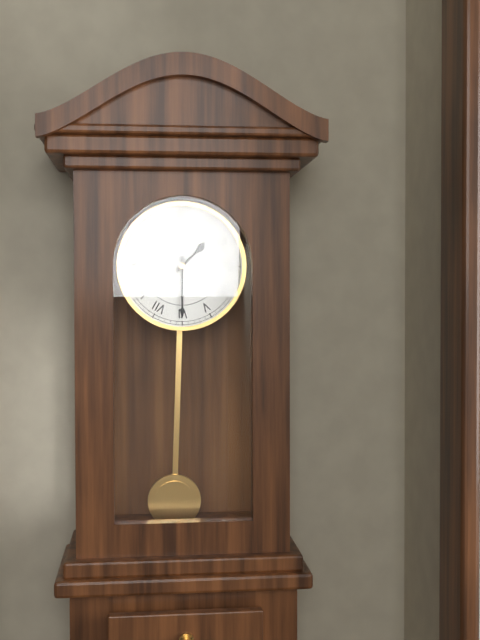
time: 1:30
